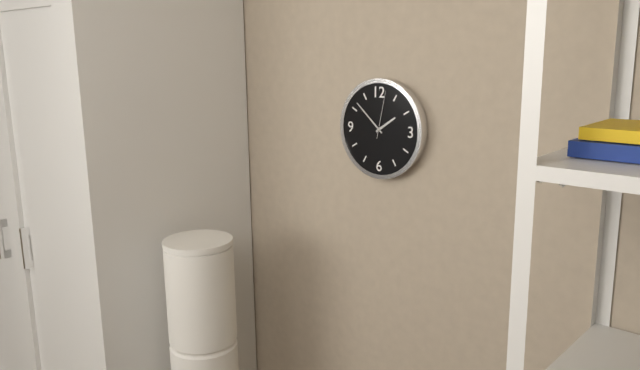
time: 1:52
